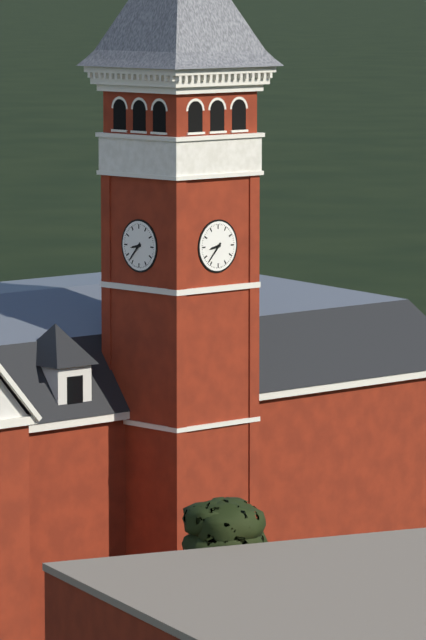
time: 8:37
